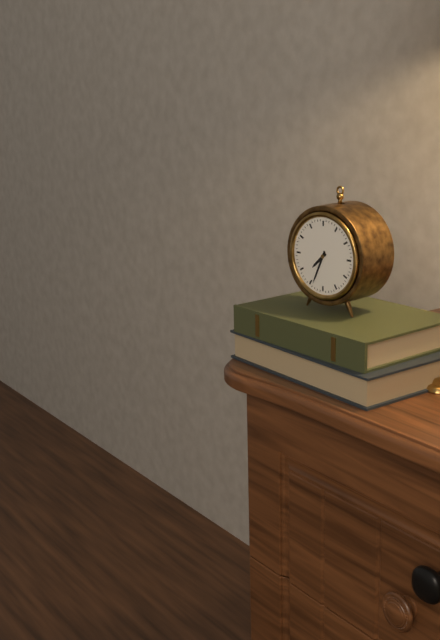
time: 7:34
